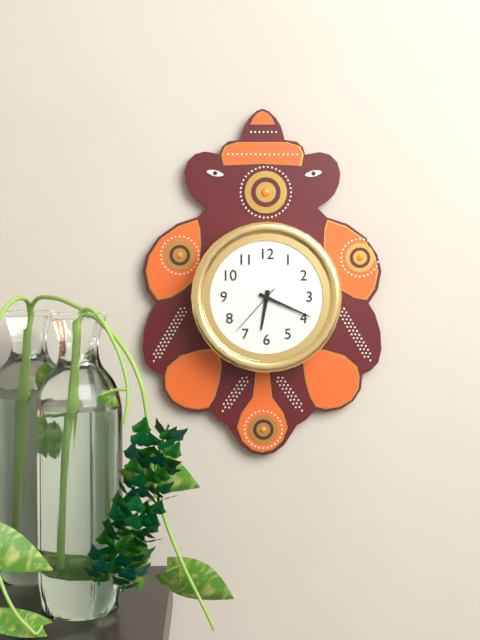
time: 6:19:37
